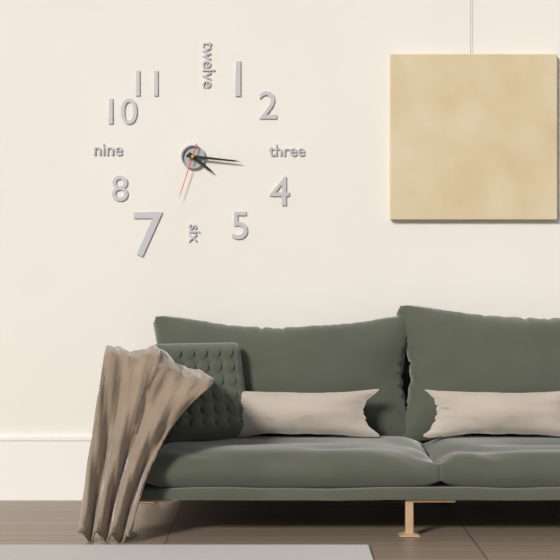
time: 4:16:33
